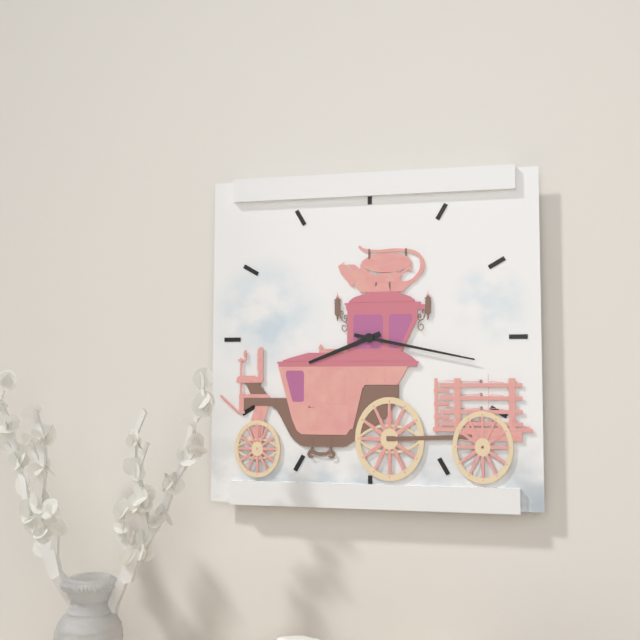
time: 8:17
